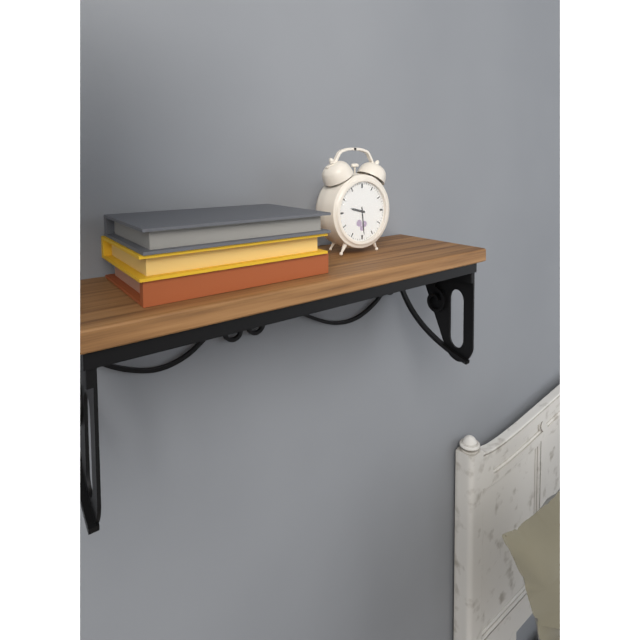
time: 9:29
